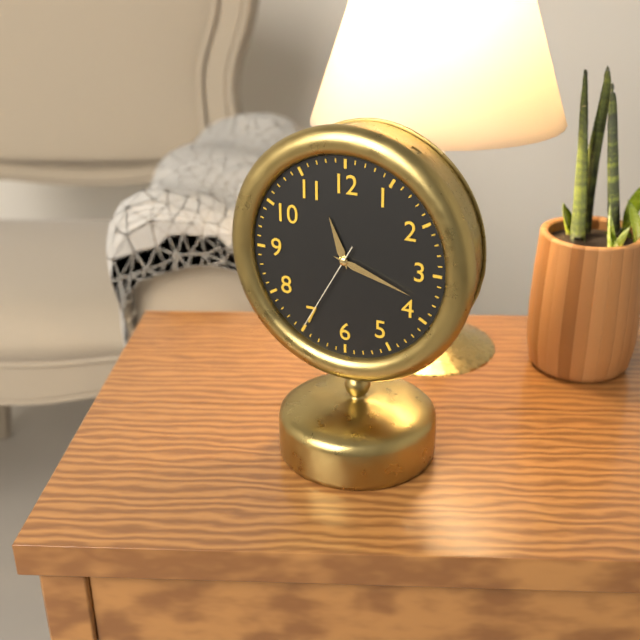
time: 11:18:35
